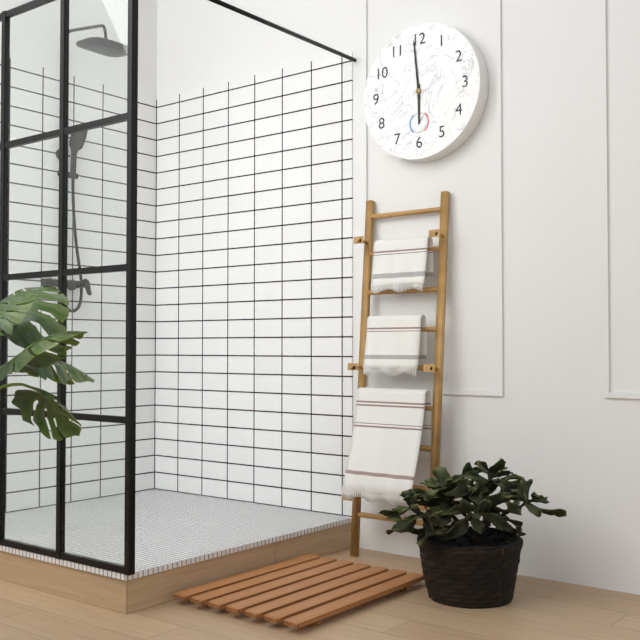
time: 5:59
